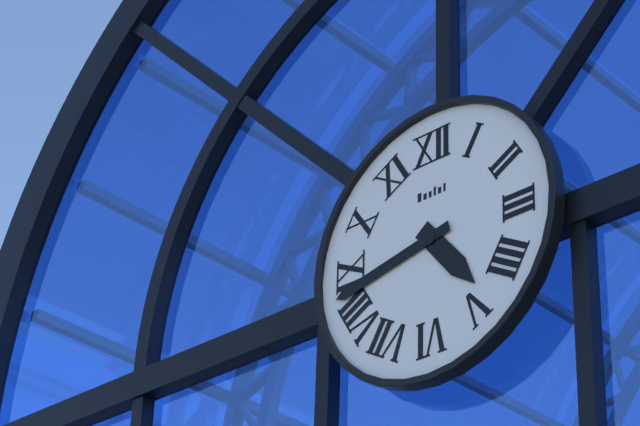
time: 4:43
